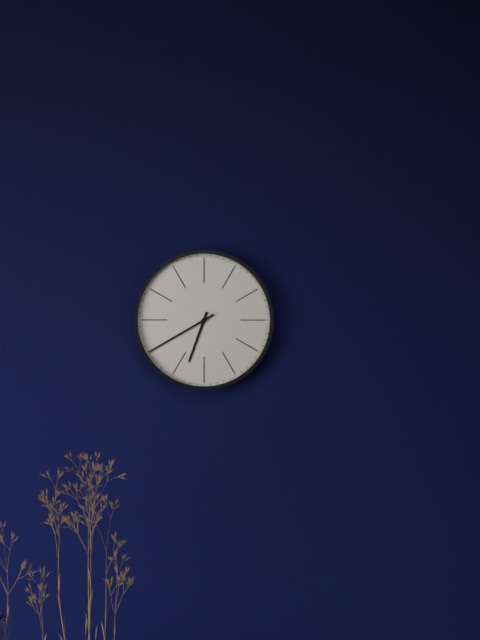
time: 6:40
